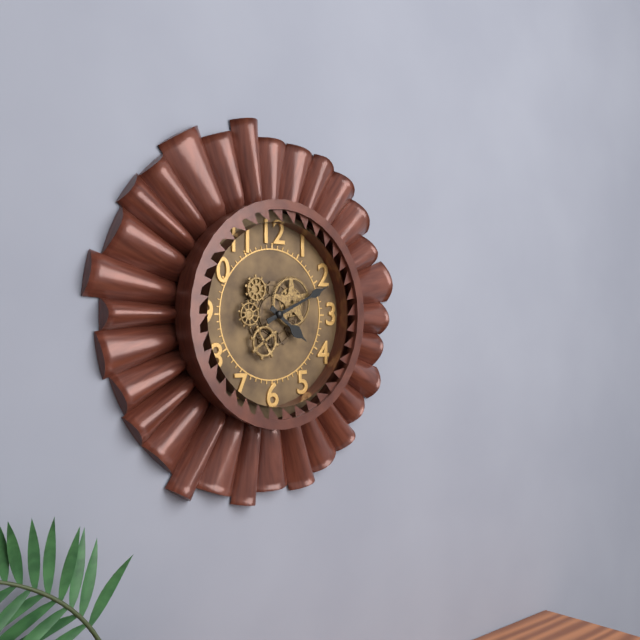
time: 4:11
